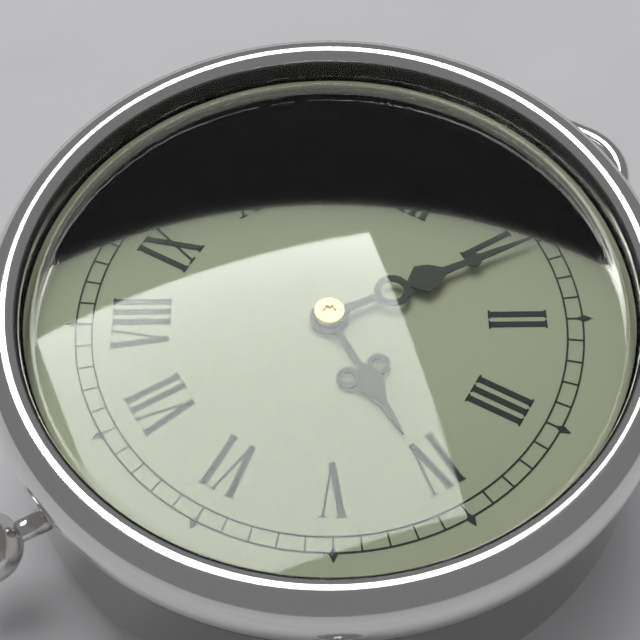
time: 4:06
